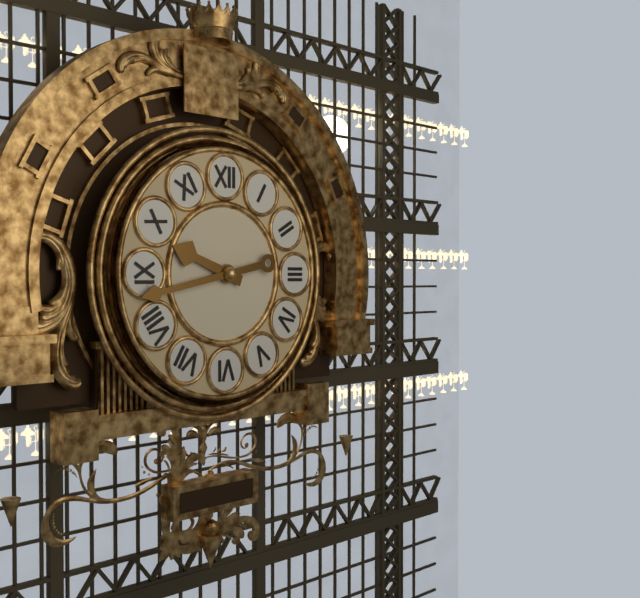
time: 9:43
